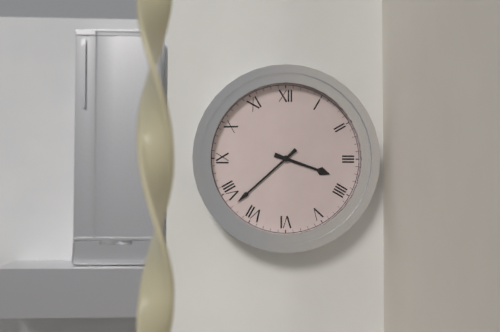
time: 3:38
